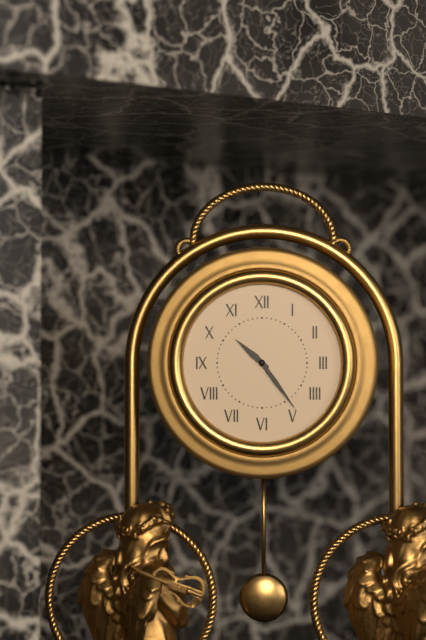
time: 10:24
